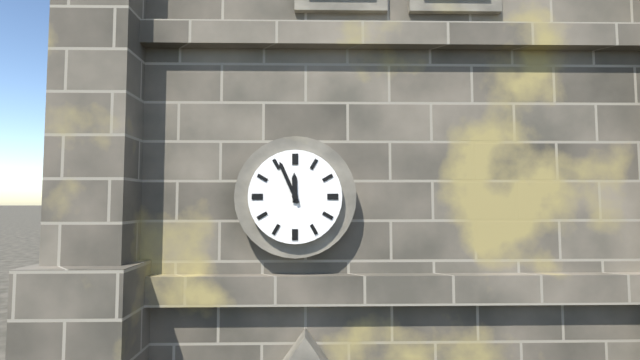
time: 11:56
